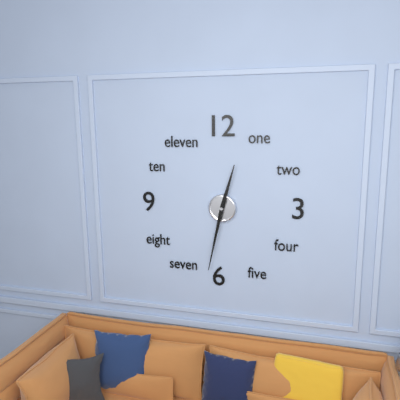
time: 12:32
